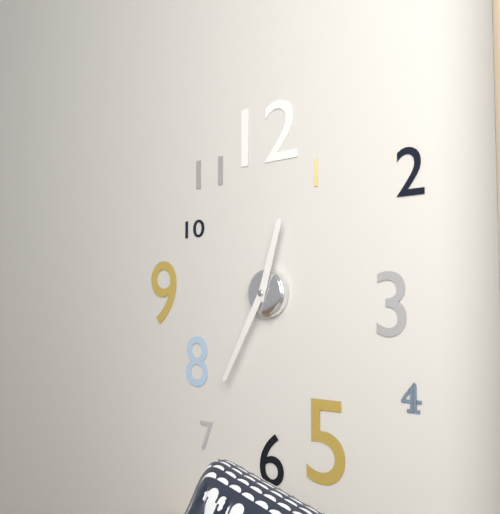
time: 12:35
